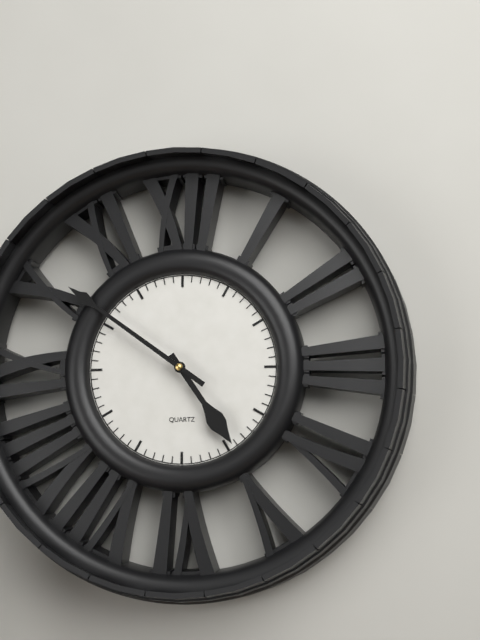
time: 4:51
